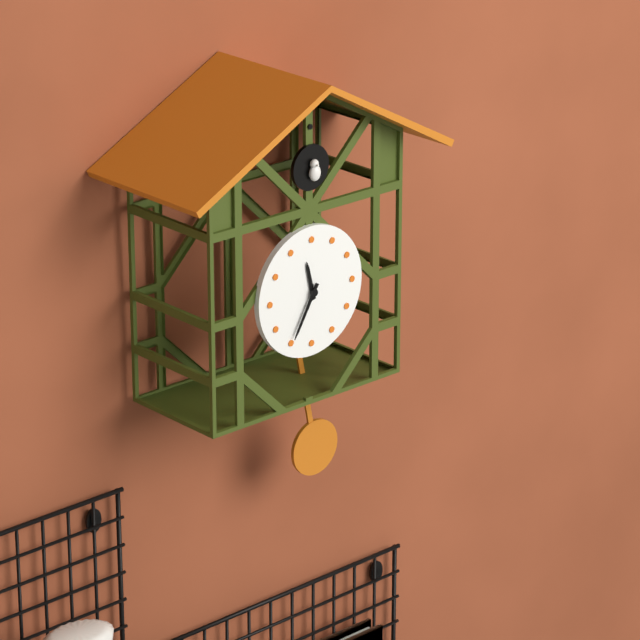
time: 11:35
